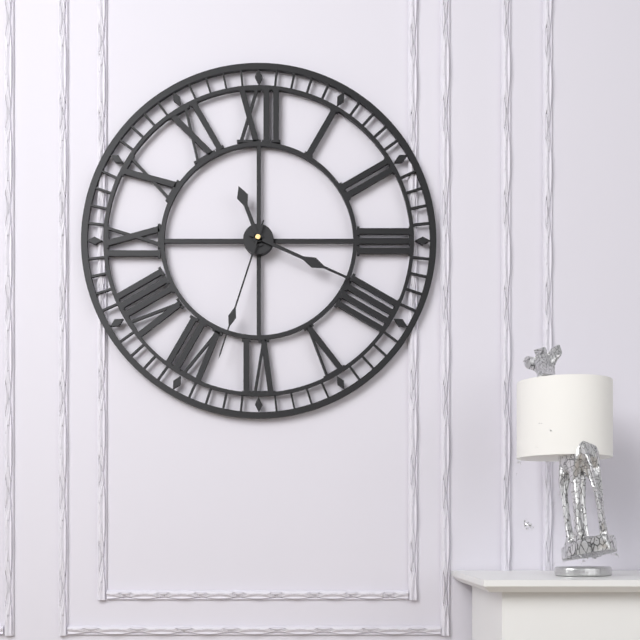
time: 11:19:33
